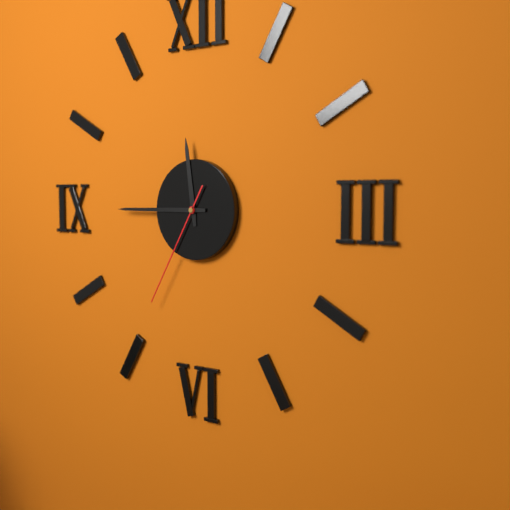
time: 11:45:35
